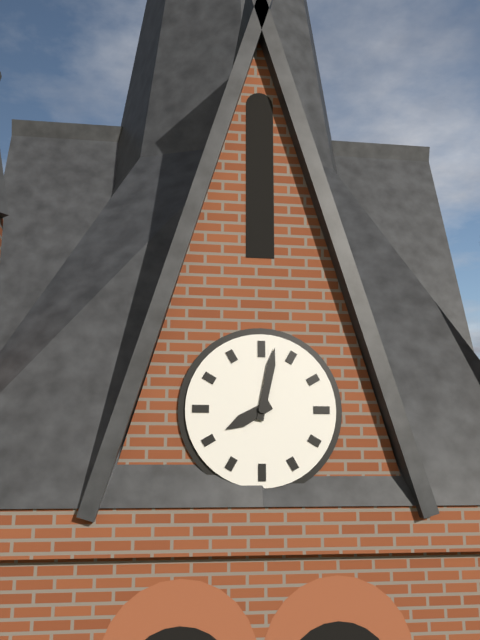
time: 8:02
